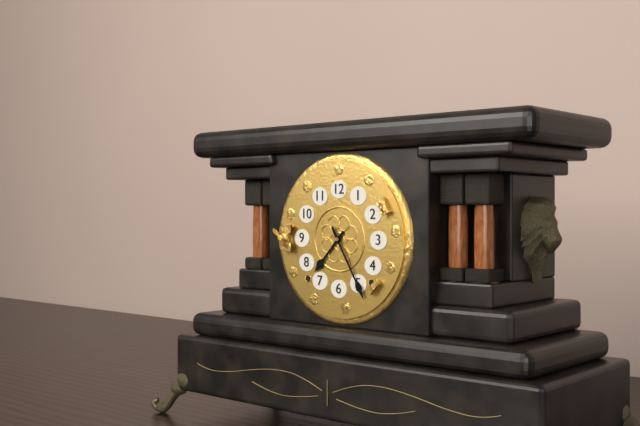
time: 7:25
